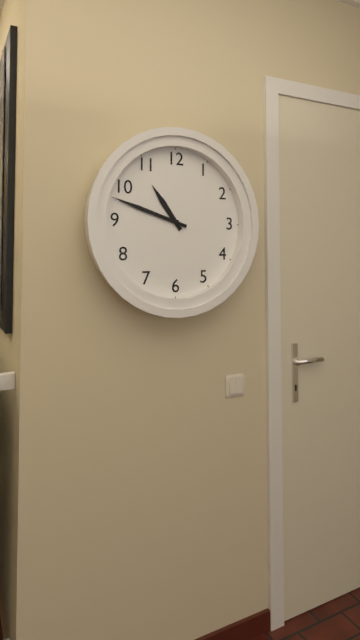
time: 10:48
